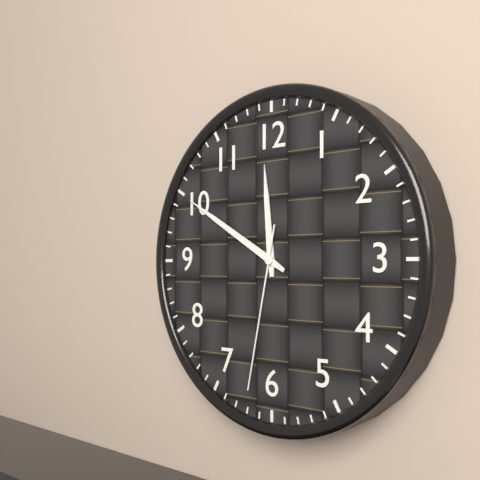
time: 11:50:32
